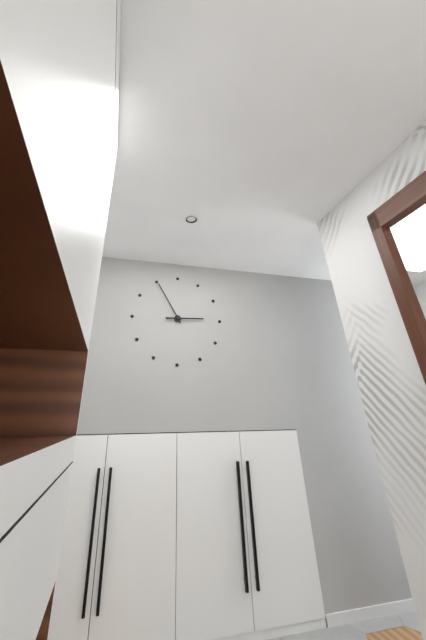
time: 2:55
